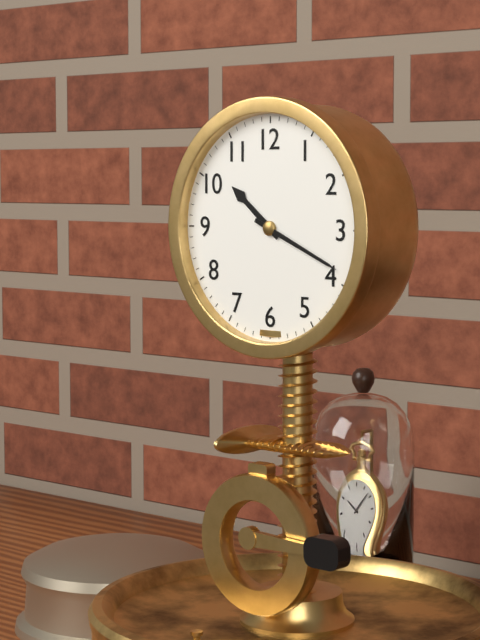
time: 10:19
